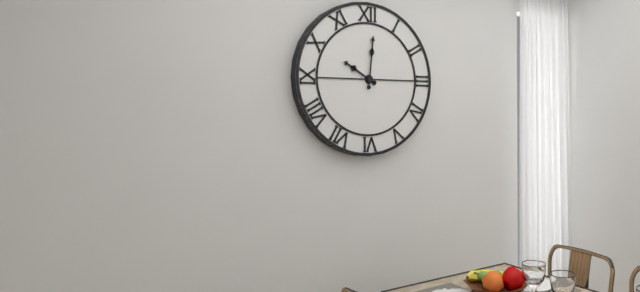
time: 10:01
